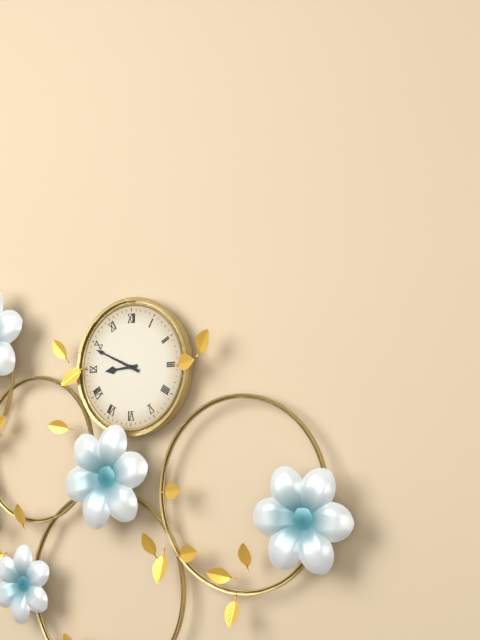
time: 8:49
